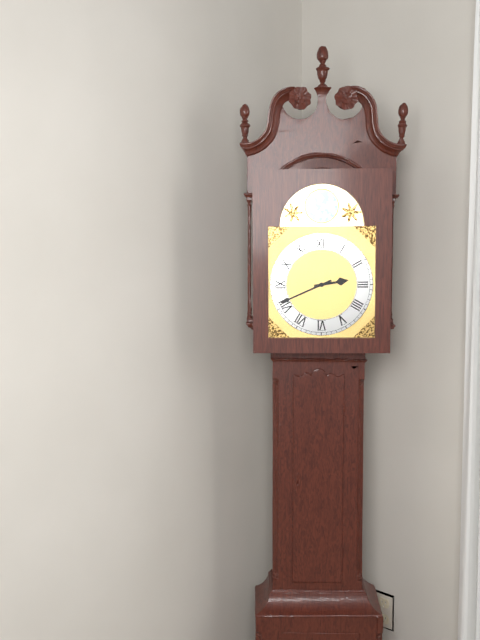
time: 2:41
